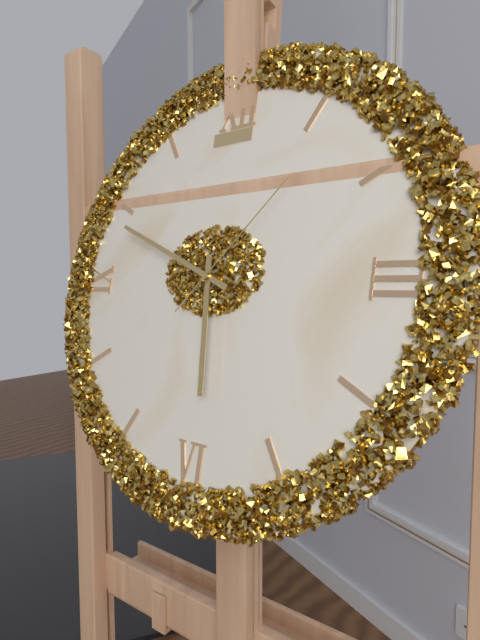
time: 5:49:07
